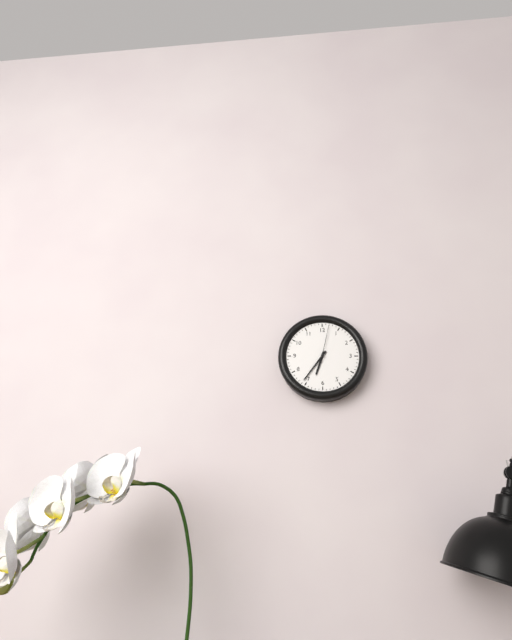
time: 6:36
